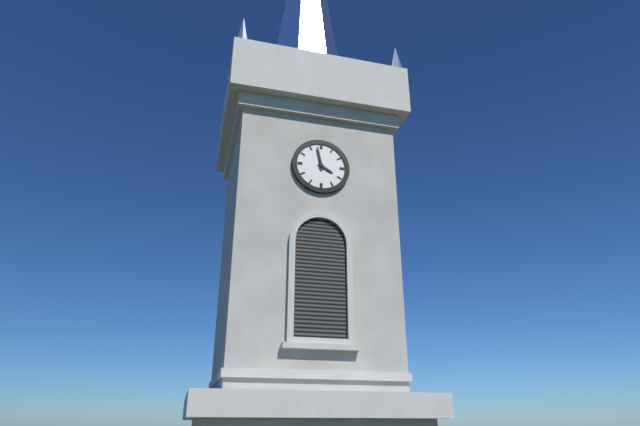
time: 3:58
